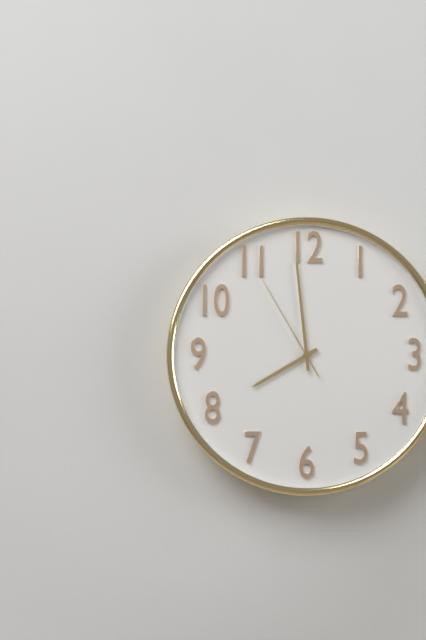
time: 7:59:55
